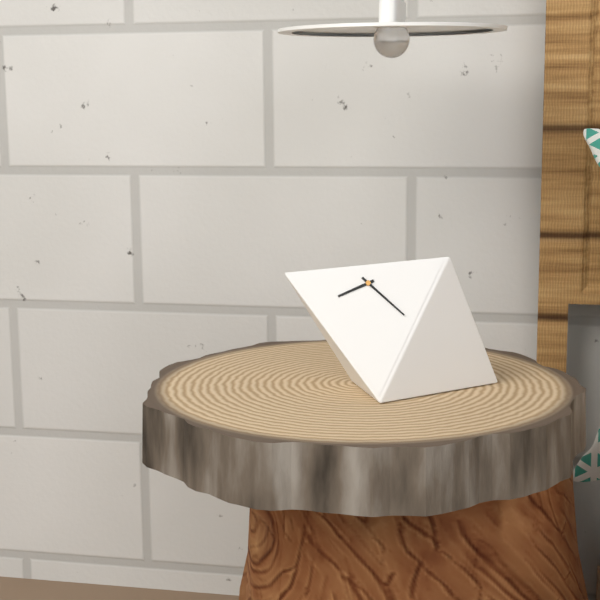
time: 8:23
